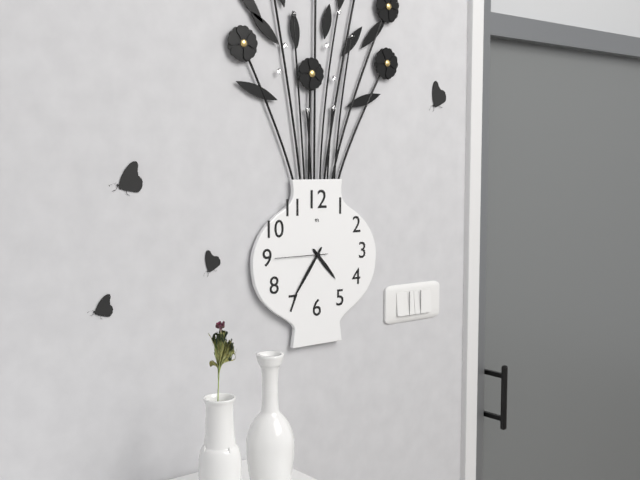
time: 4:36:45
